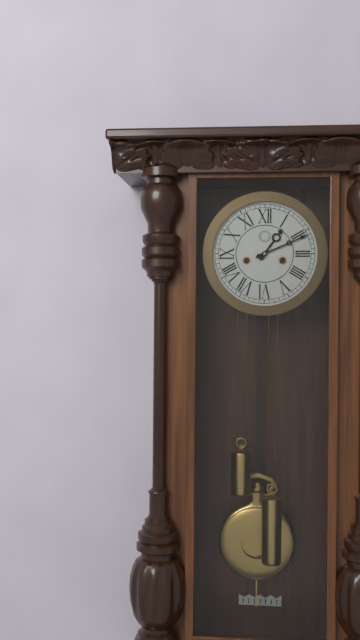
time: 1:11
